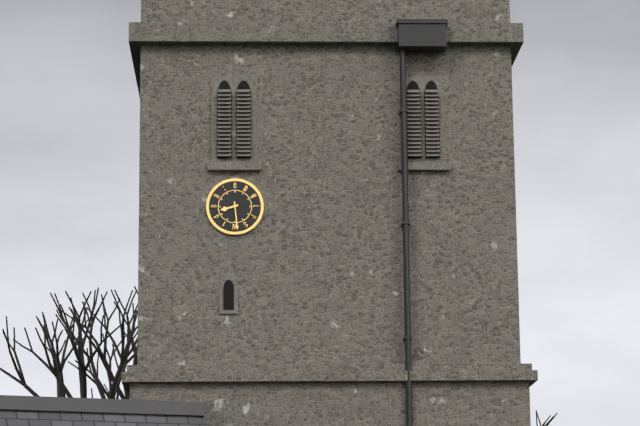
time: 8:29
